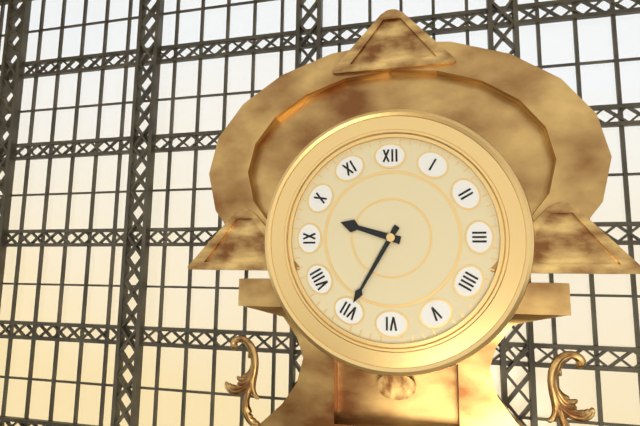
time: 9:35
